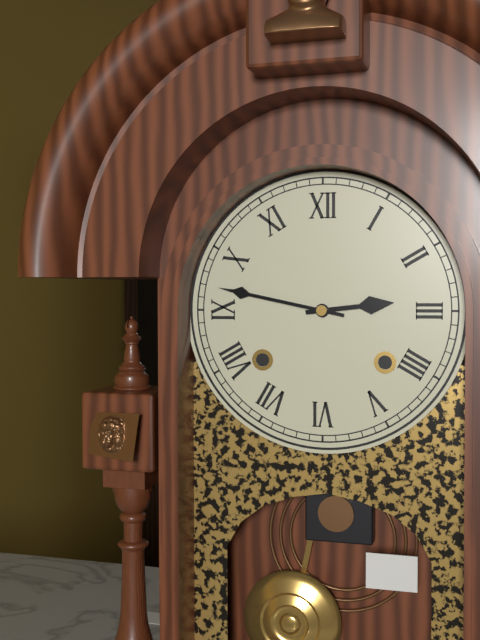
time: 2:47
